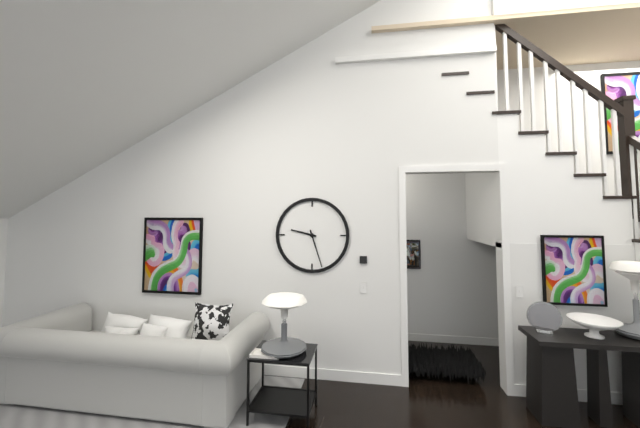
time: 9:27
